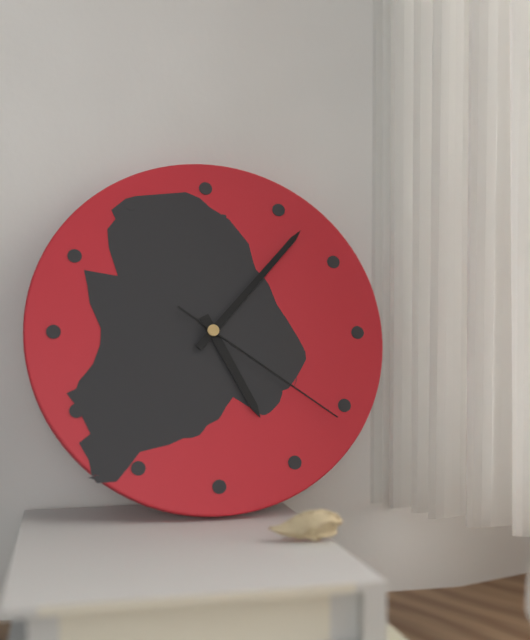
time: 5:07:21
